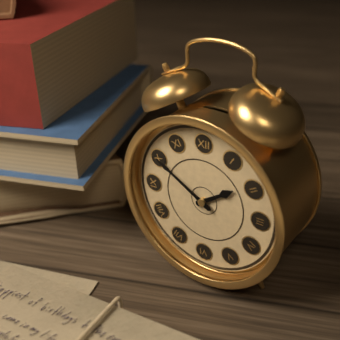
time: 1:50
